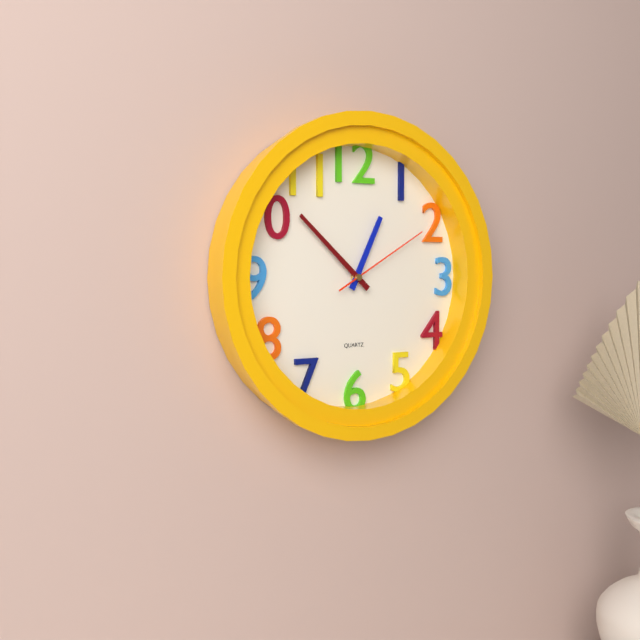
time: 12:52:10
